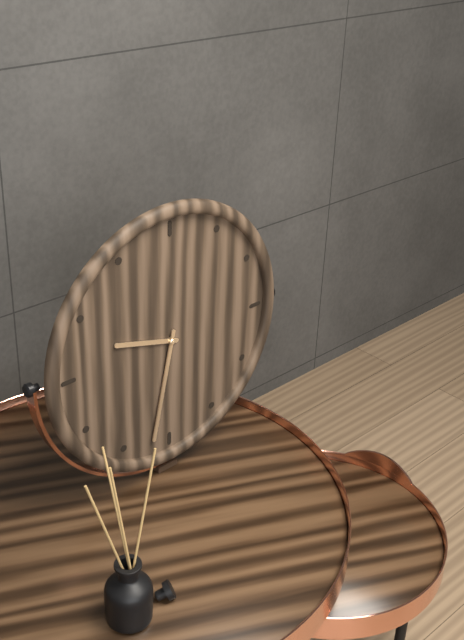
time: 9:32
